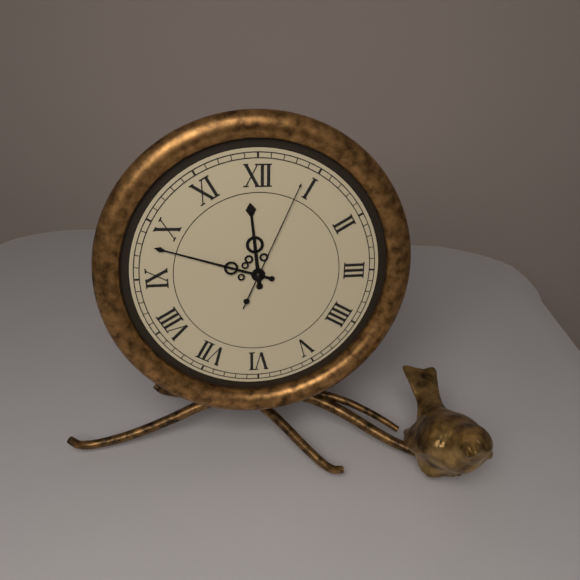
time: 11:48:04
